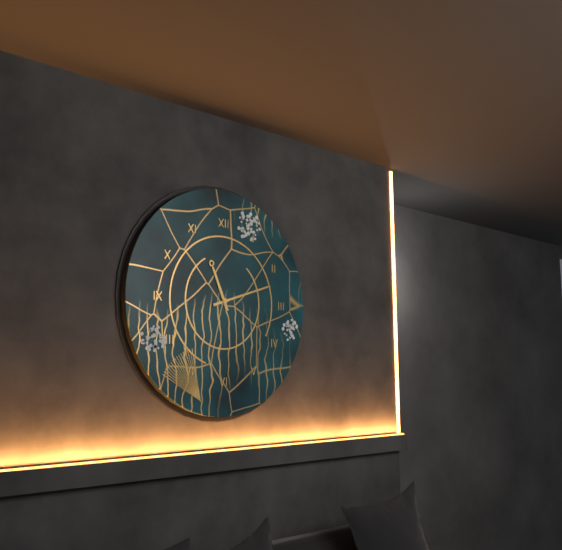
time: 11:12
